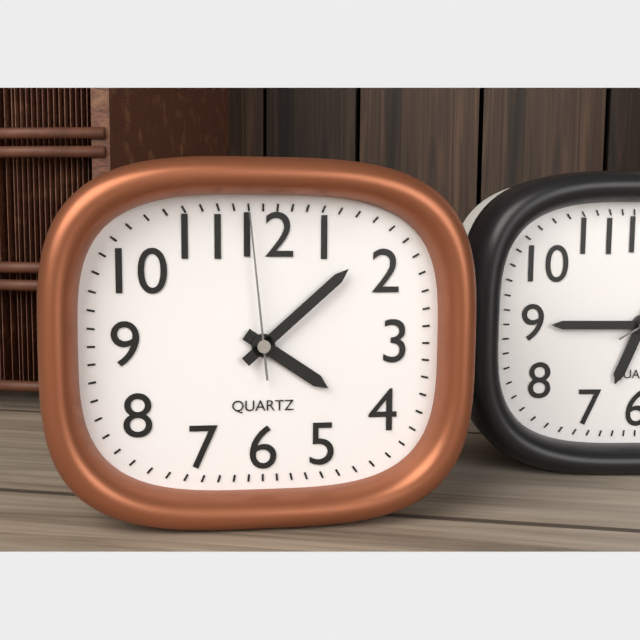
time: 4:08:59
